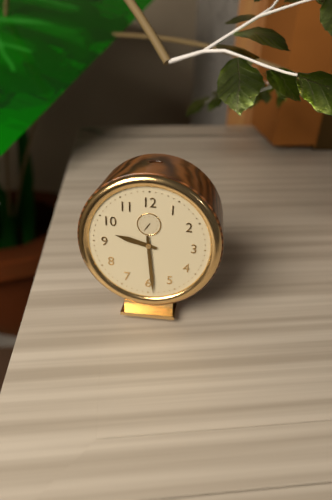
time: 9:29
